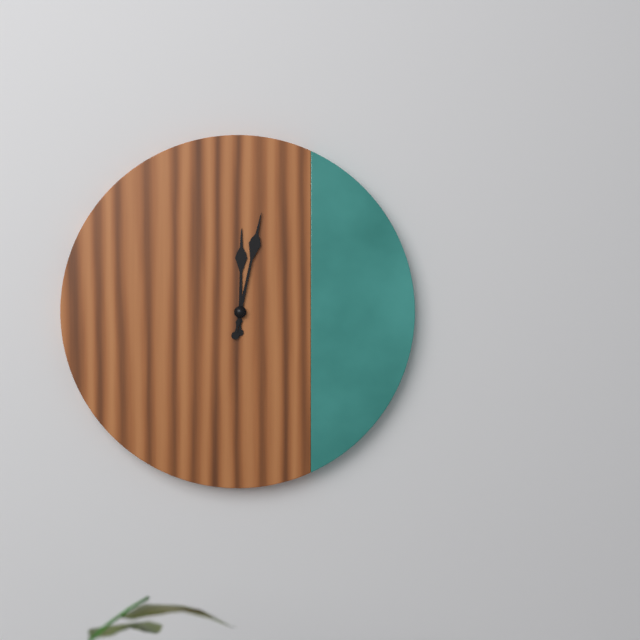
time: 12:02
